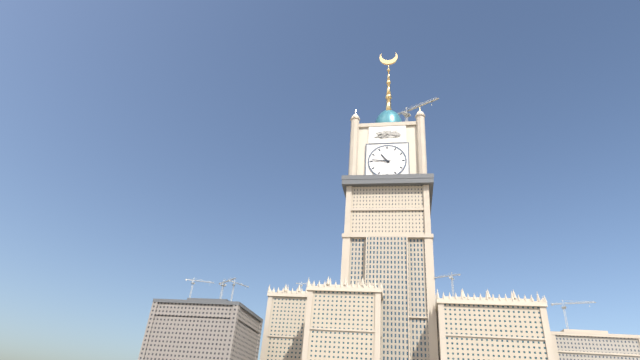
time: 10:46
